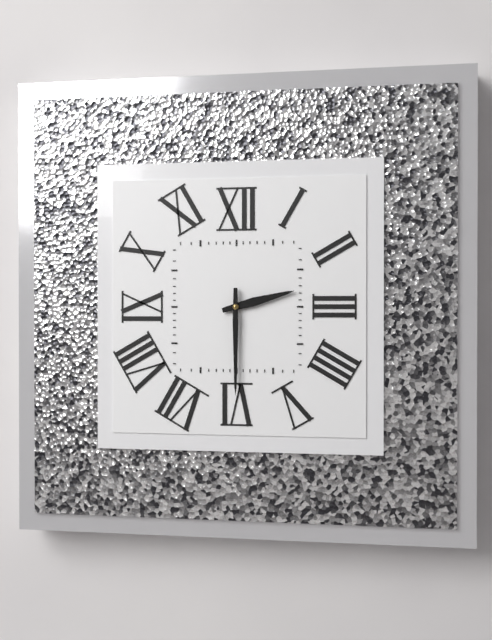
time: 2:30
